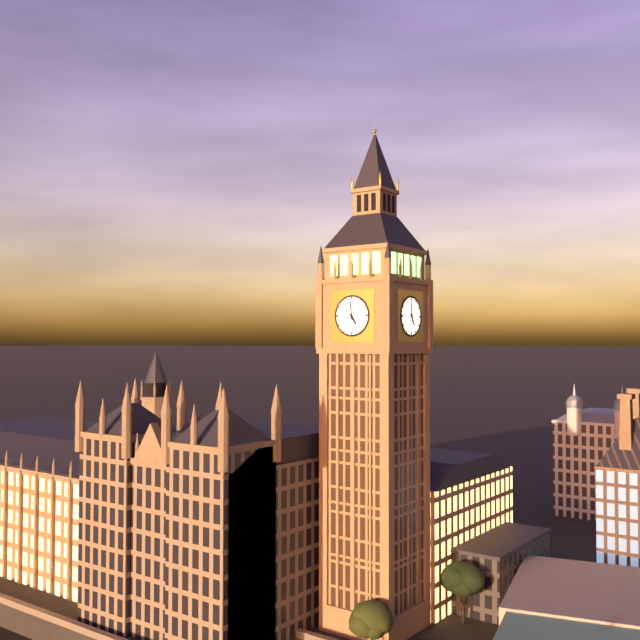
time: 4:59
